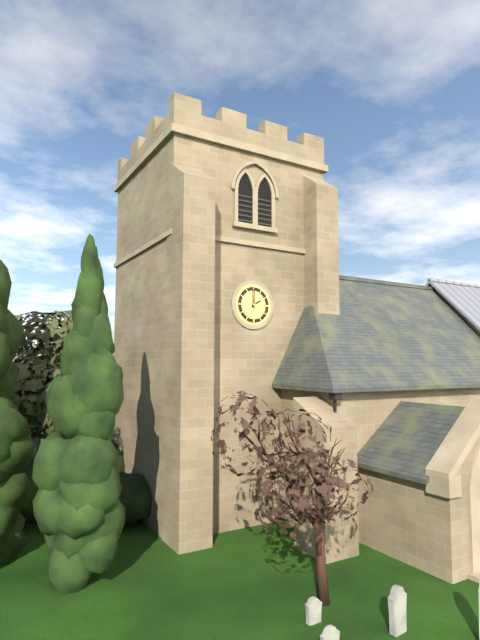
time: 2:00
